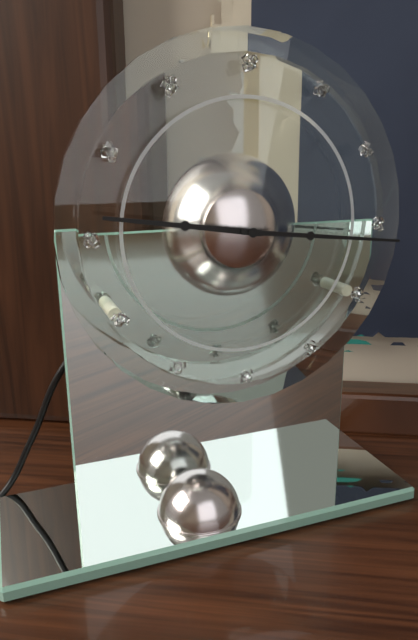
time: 9:16
